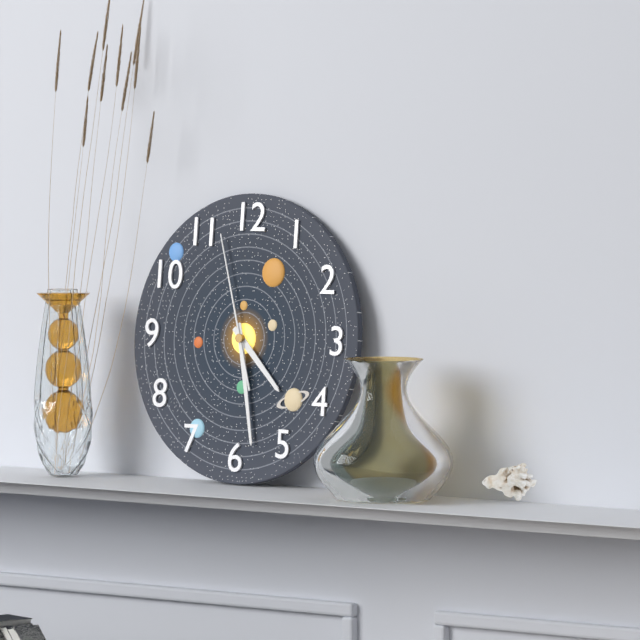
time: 4:28:57
